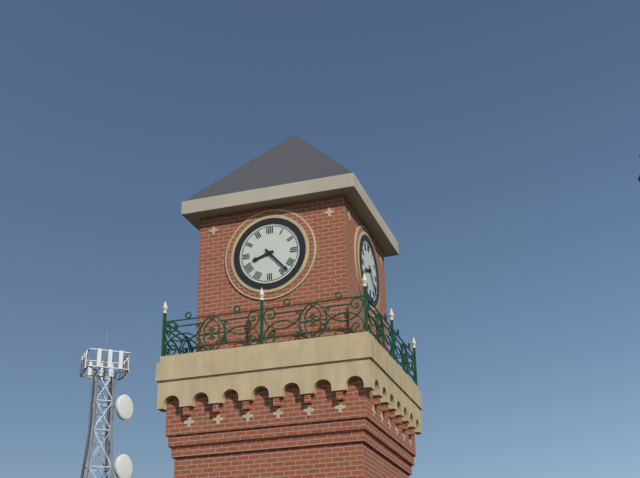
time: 8:23
